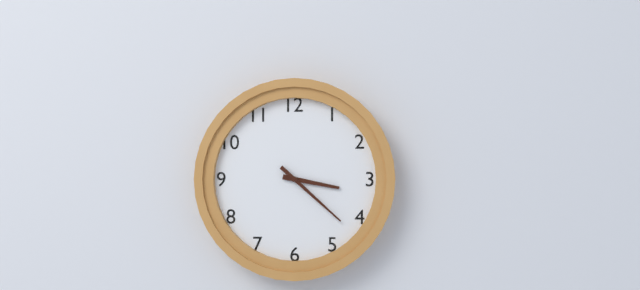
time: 3:22
